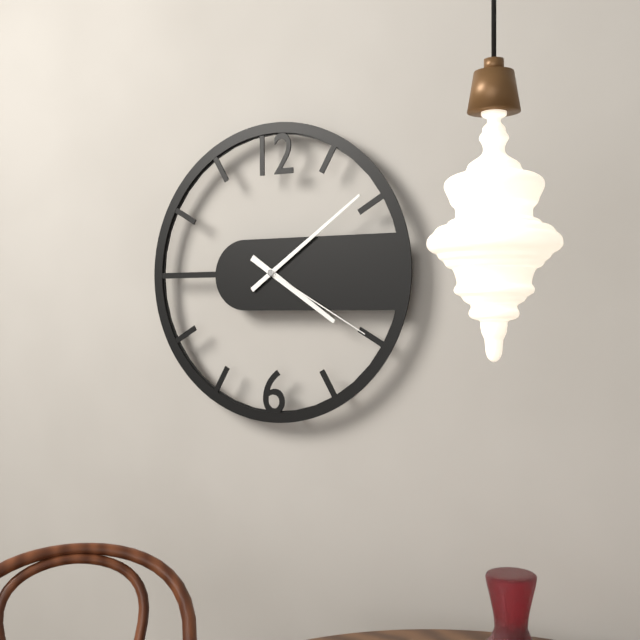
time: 4:09:20
